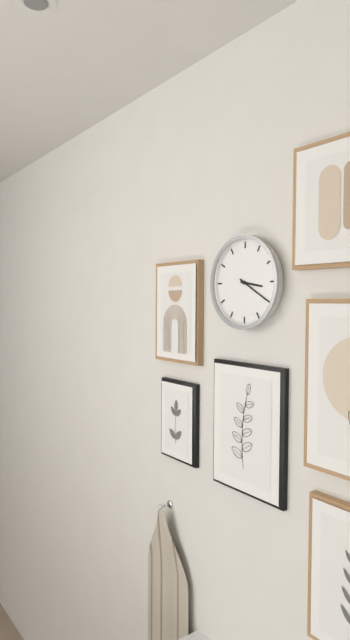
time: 3:20
